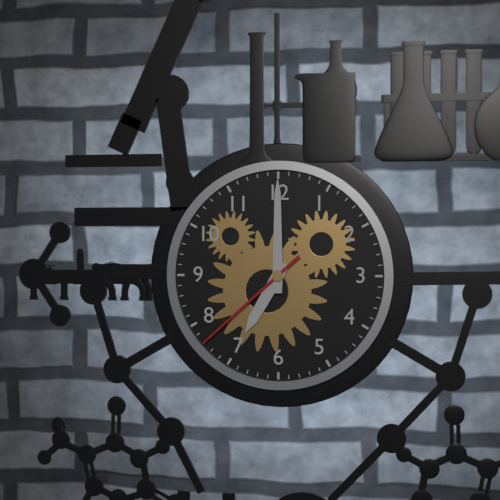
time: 7:00:38
